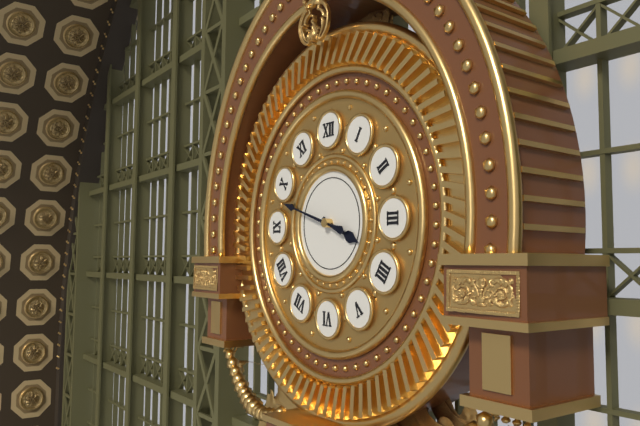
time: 3:48
